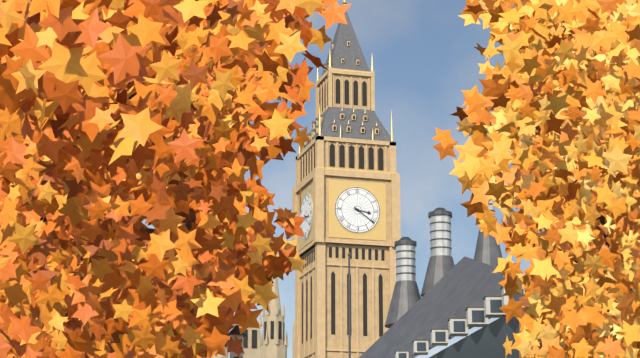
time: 3:21
